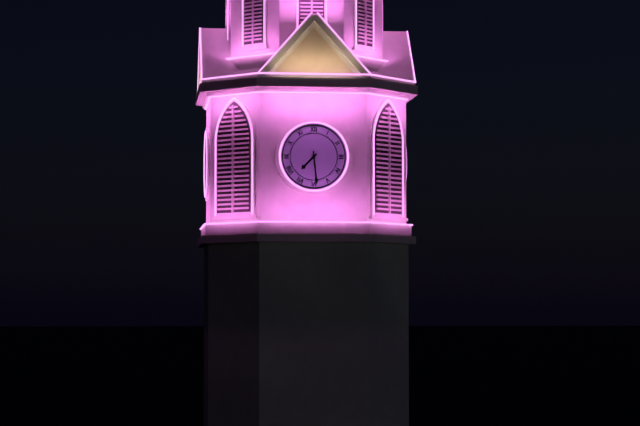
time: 7:29
